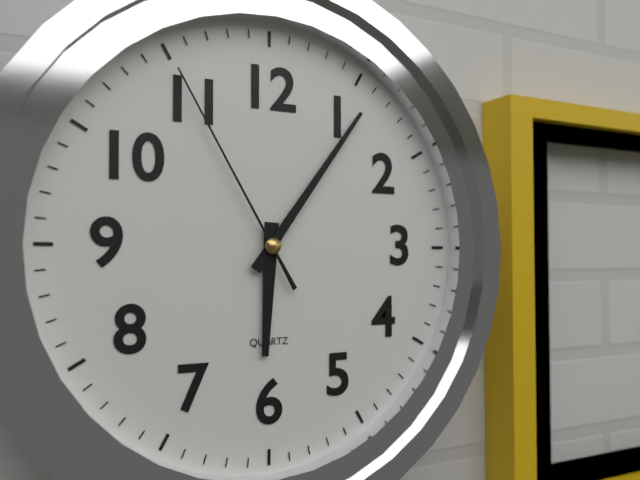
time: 6:06:55
